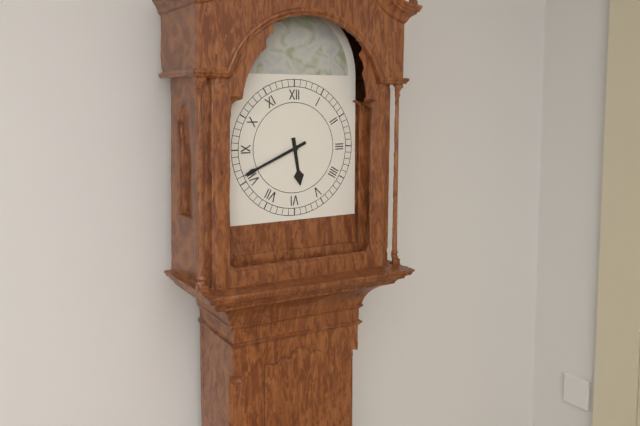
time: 5:41
